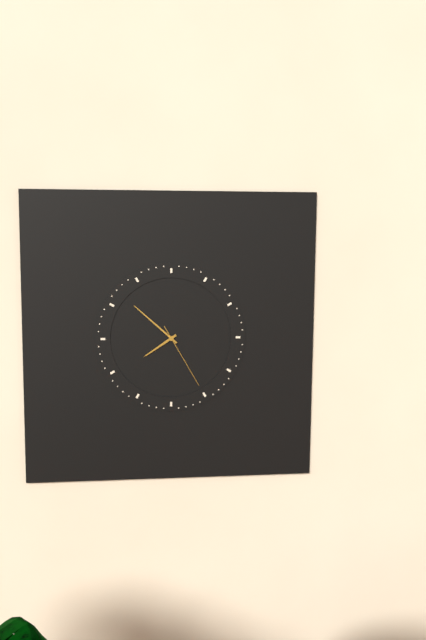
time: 7:52:25
